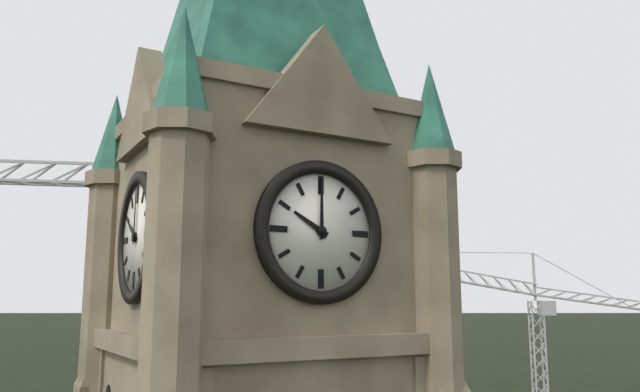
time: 10:00
